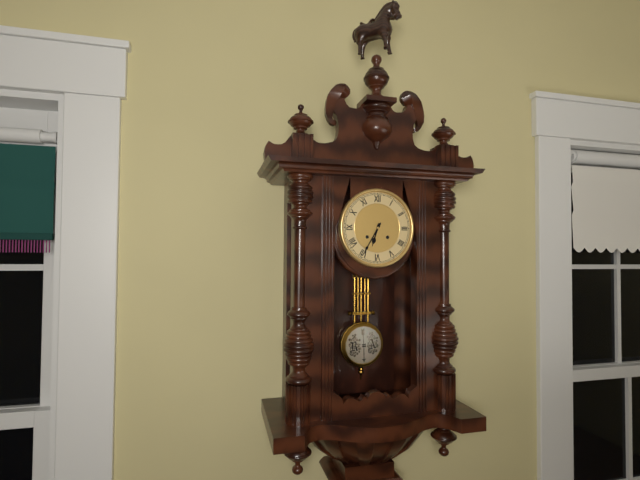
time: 6:35
